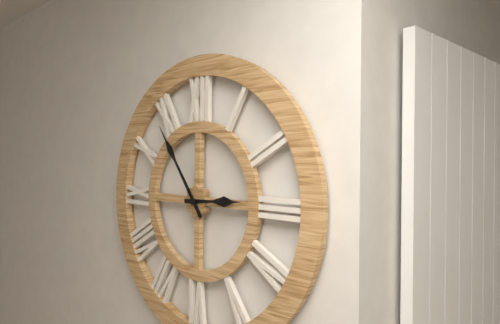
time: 2:54
